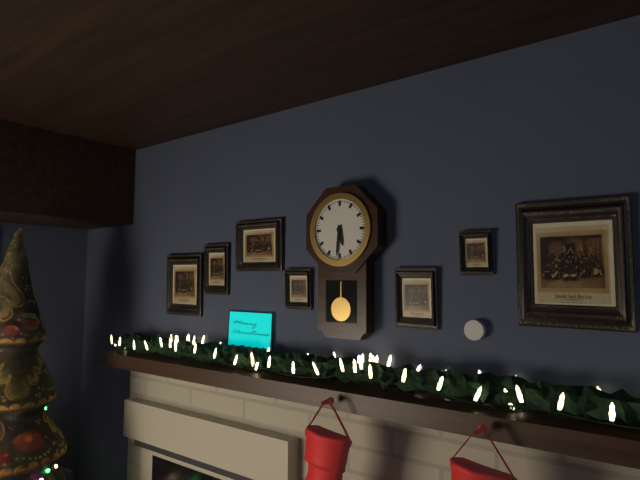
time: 5:31
